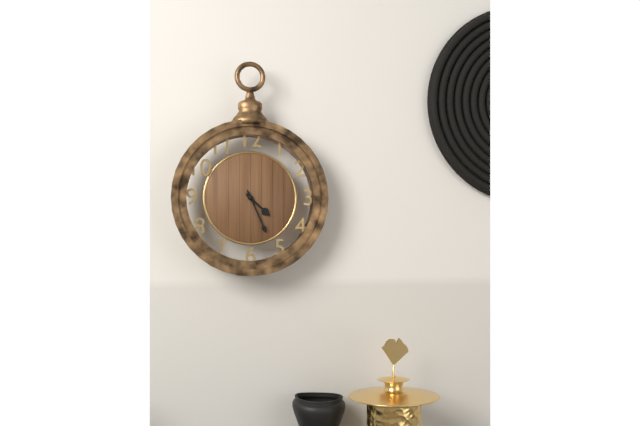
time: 4:26
